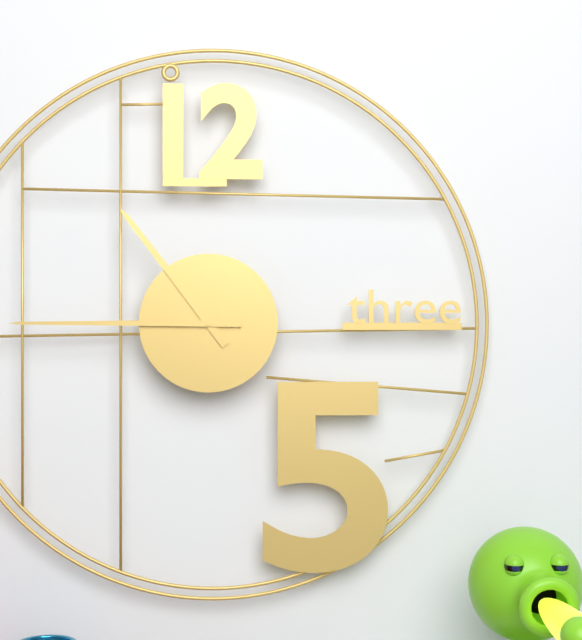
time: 10:45
